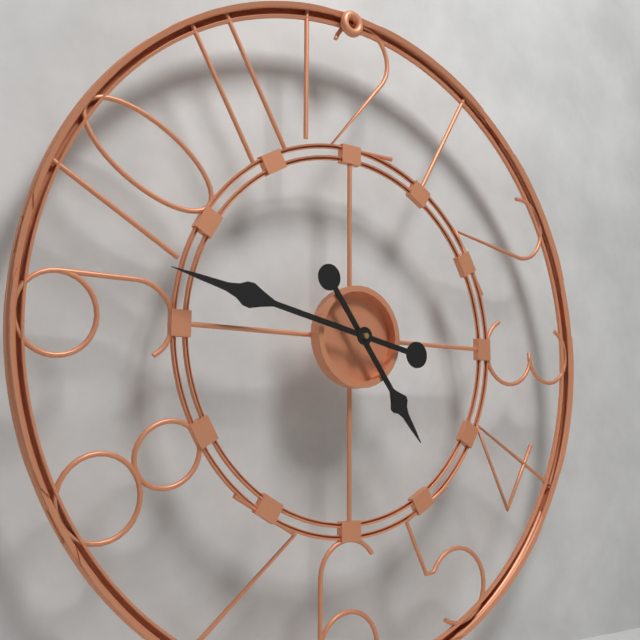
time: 4:47
